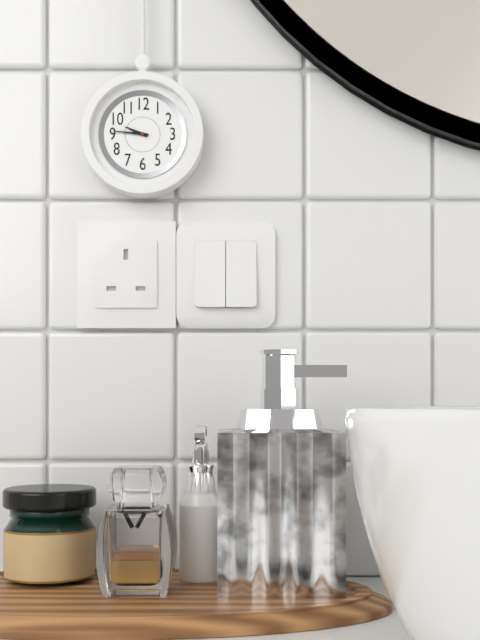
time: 9:46
